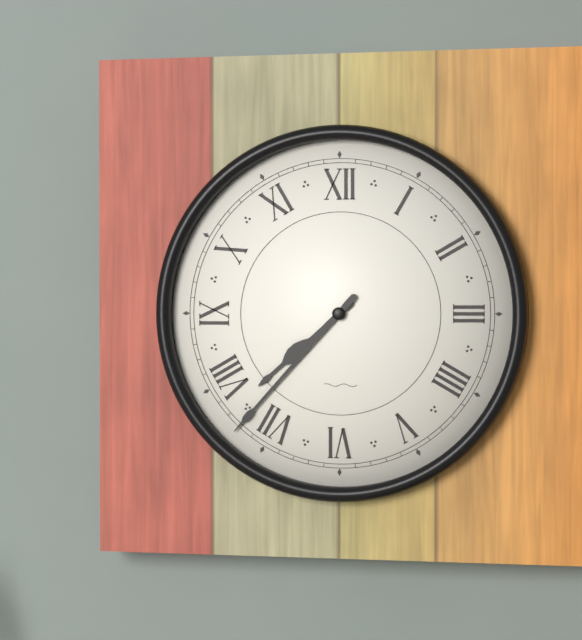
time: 7:37
